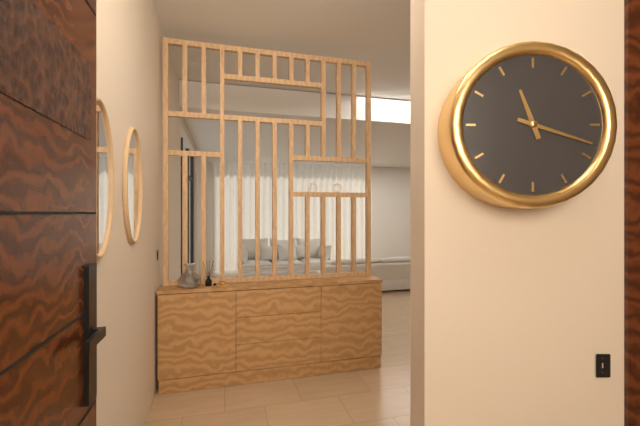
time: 11:18
